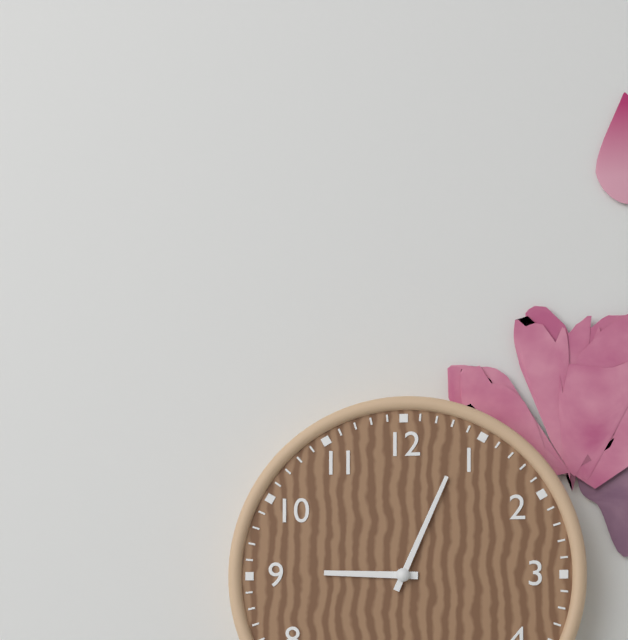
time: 9:04
